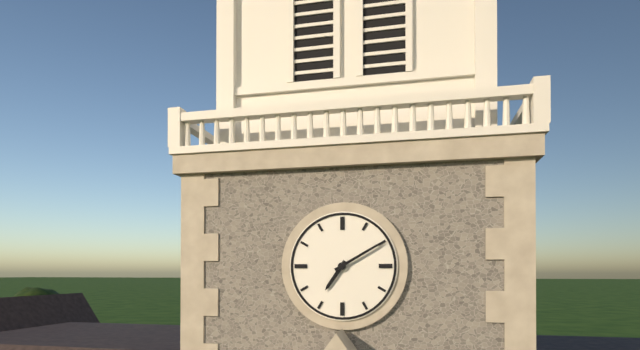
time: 7:10
